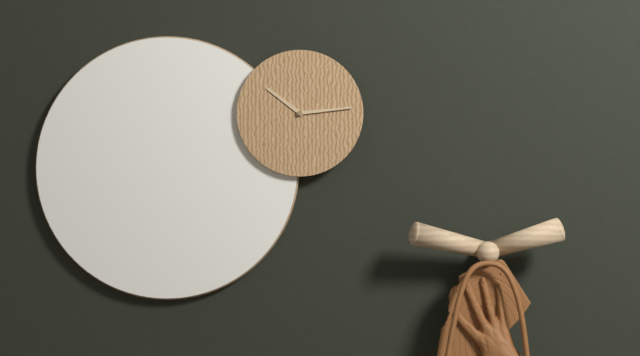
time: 10:14
